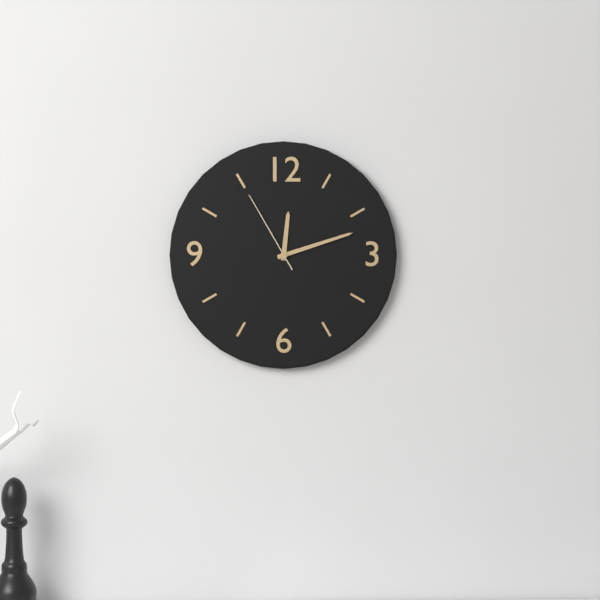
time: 12:12:55
